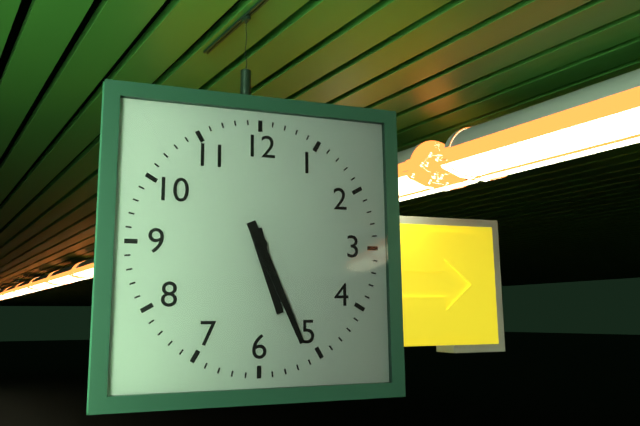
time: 5:26
